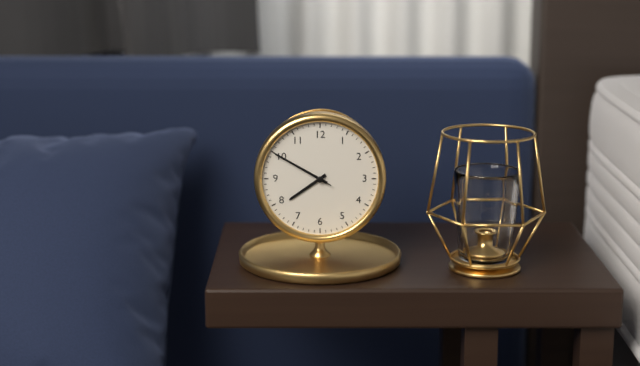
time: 7:50:50
